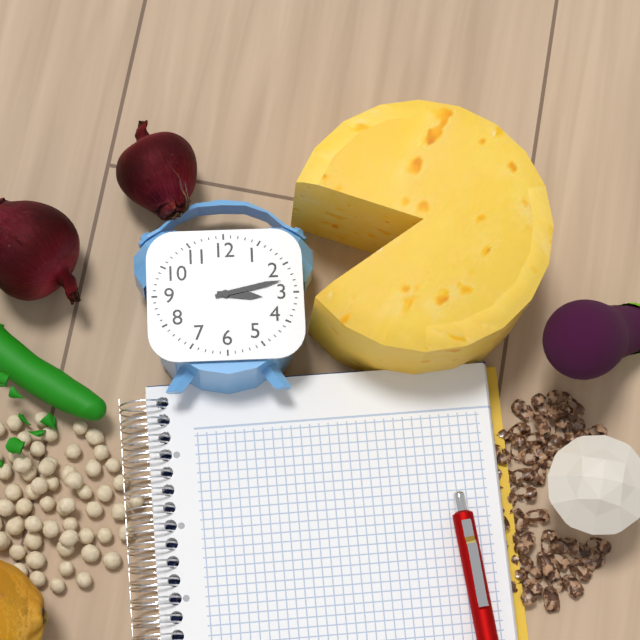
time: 3:13
